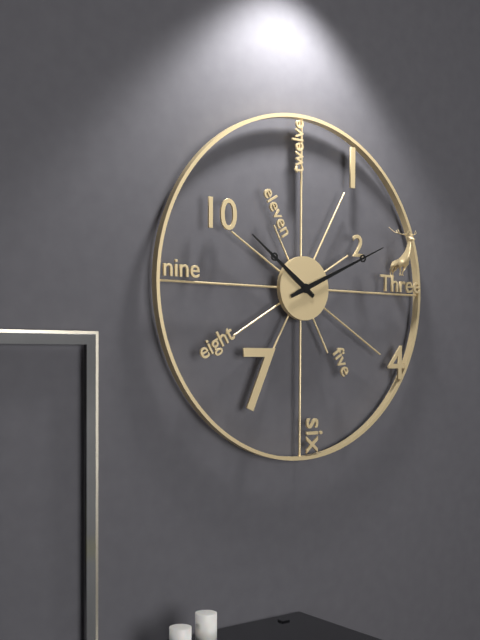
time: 10:11
